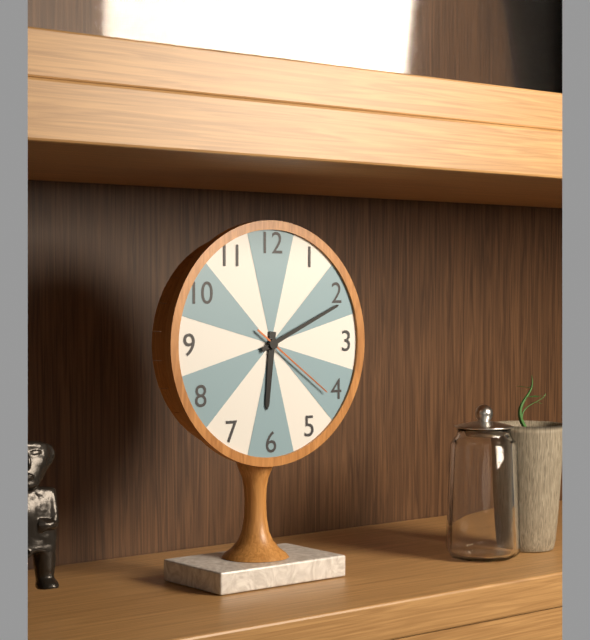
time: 6:11:21
